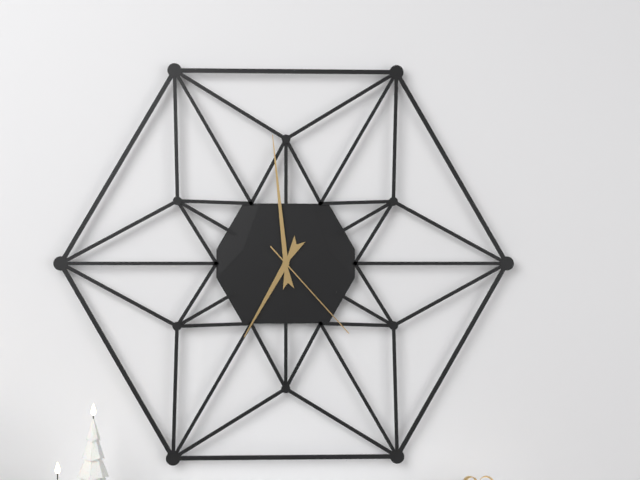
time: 6:59:23
